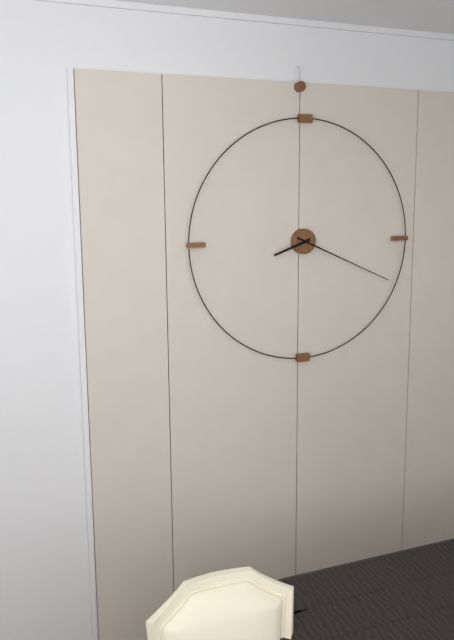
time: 8:19
